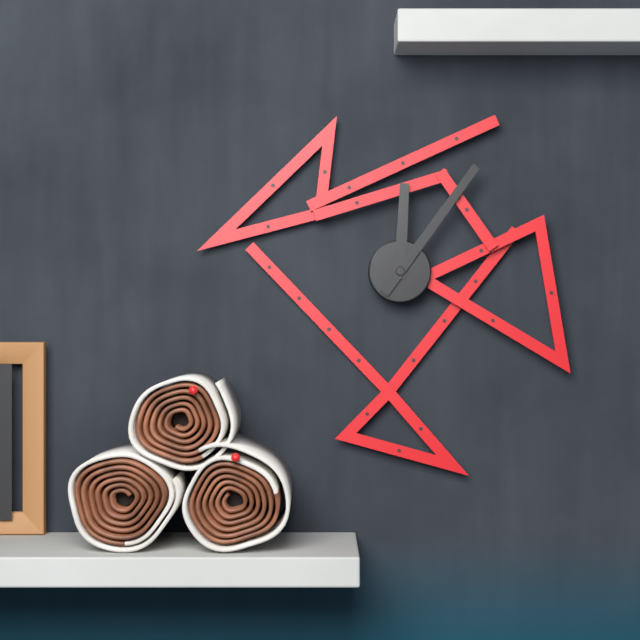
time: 12:06
